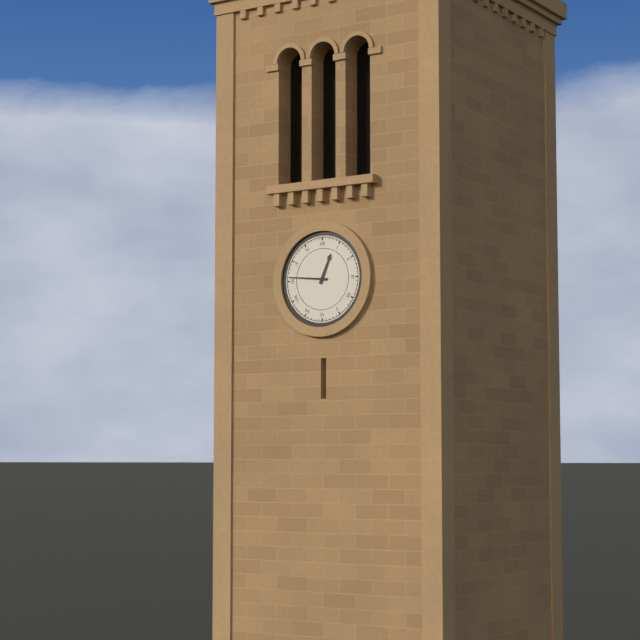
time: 12:46
